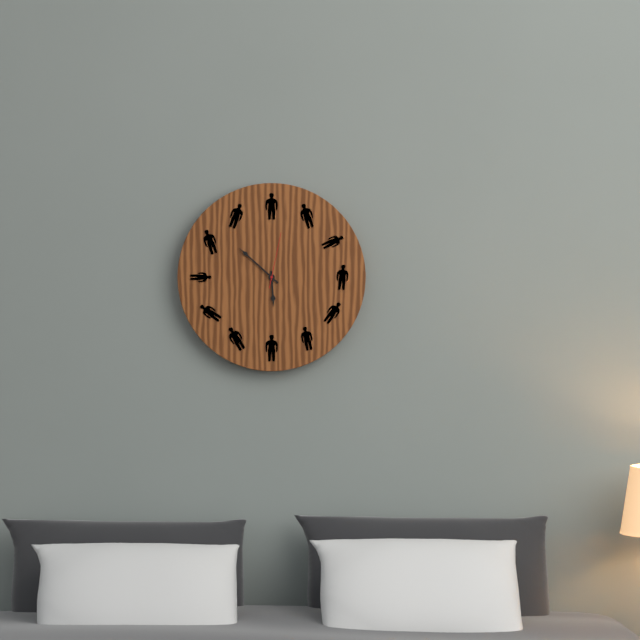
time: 5:52:02
